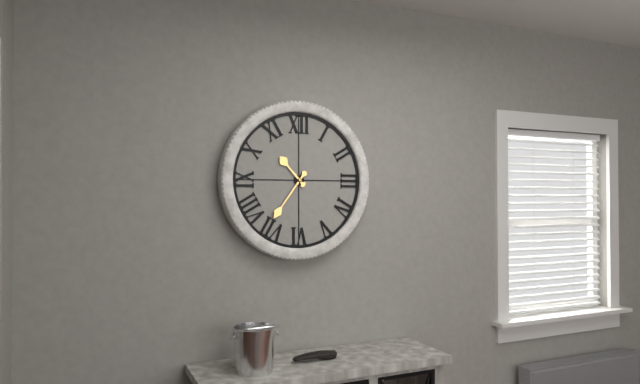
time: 10:36
